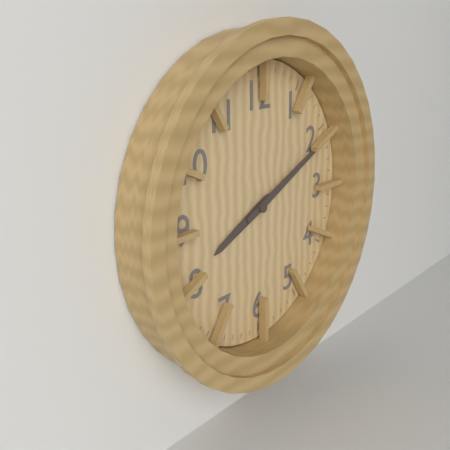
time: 8:11
